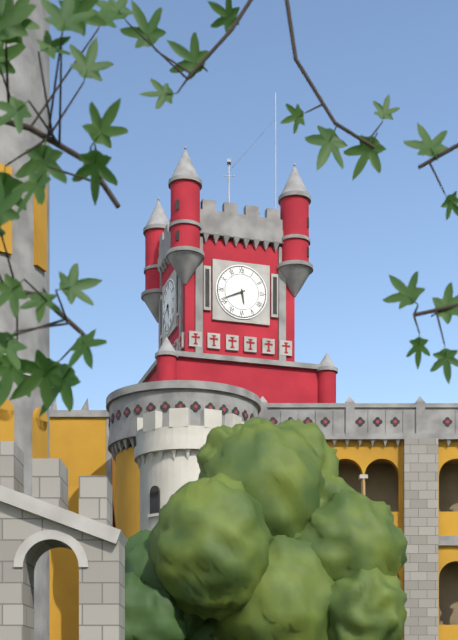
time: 5:41
